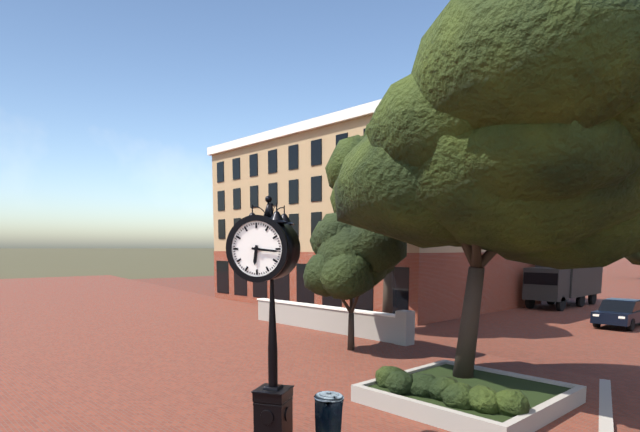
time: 6:16
